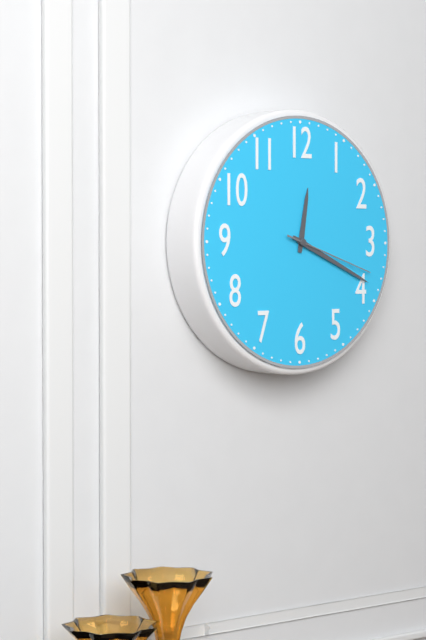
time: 12:19:18
